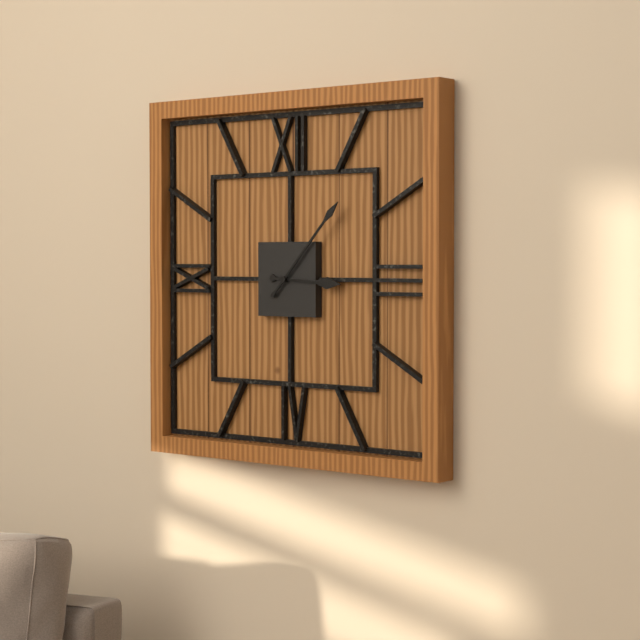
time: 3:07
